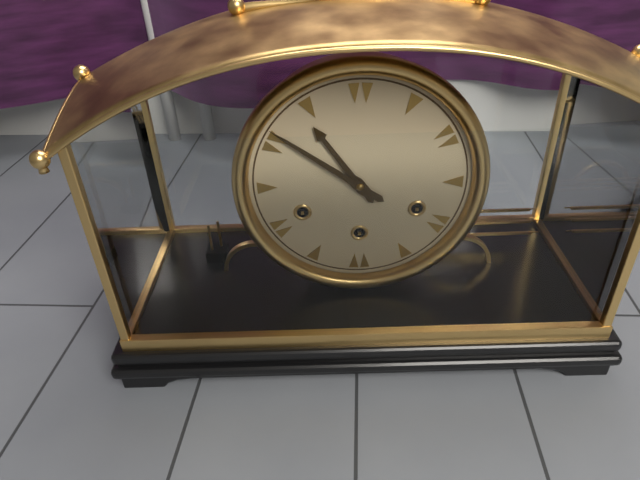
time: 10:51
